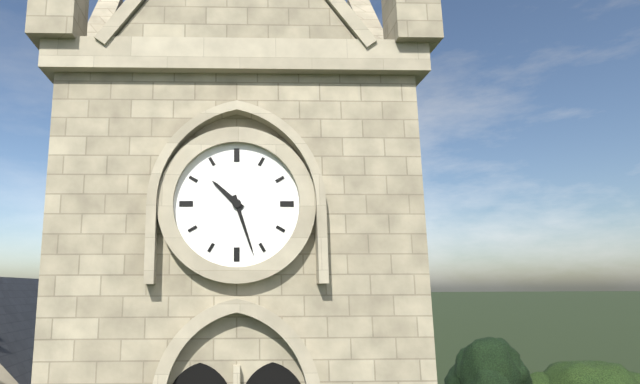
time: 10:27
